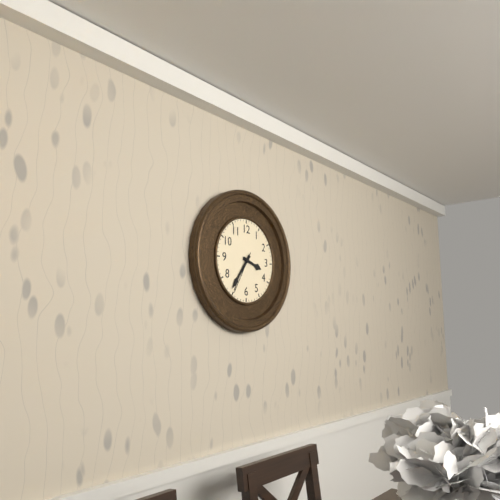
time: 3:36
